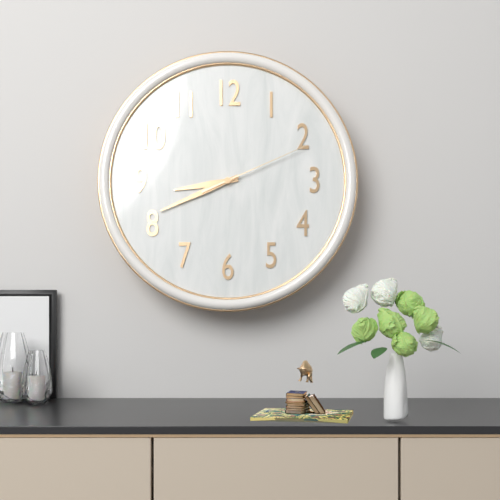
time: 8:41:11
